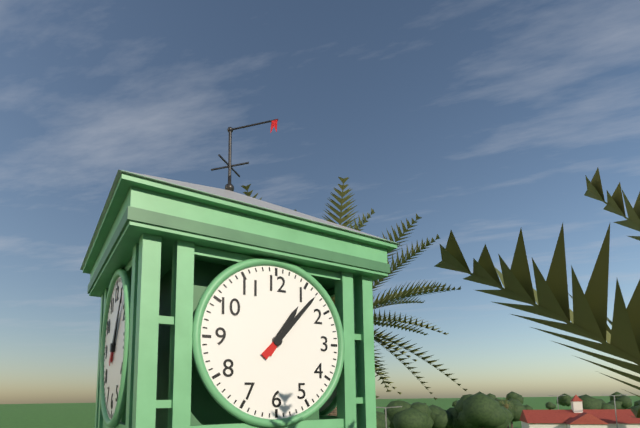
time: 1:07
